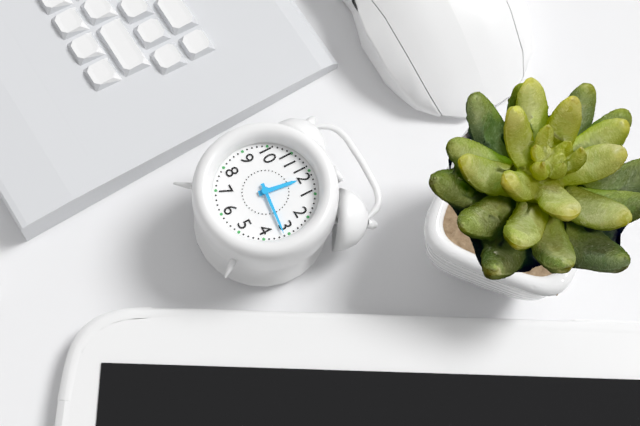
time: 12:16
